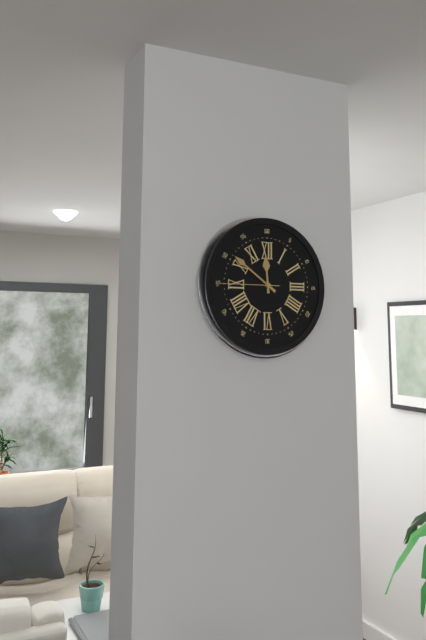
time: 11:51:45
